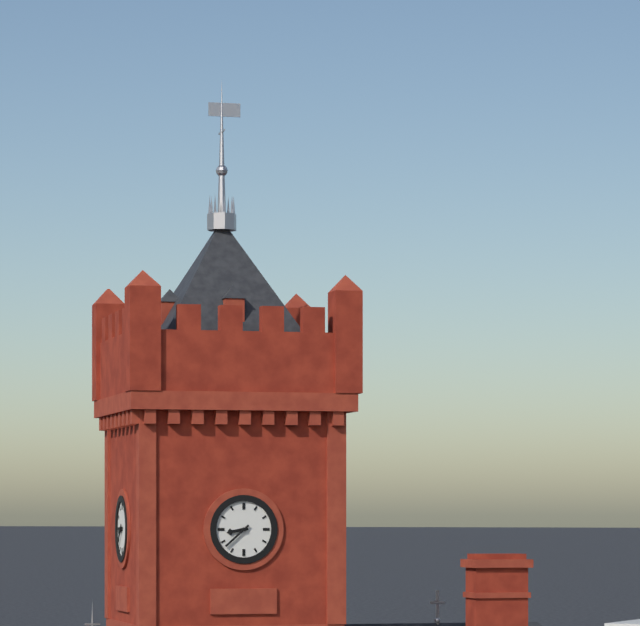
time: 8:38
